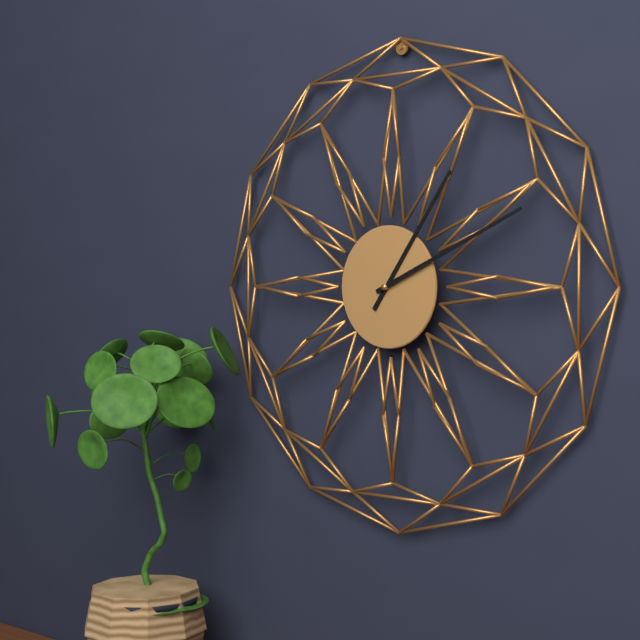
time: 1:11
